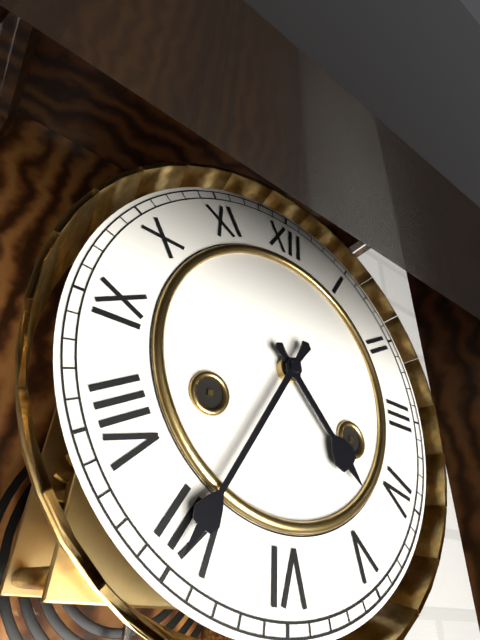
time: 4:35
